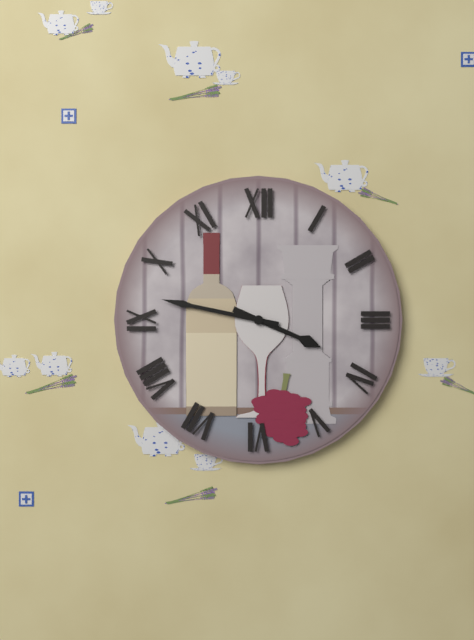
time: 3:47
